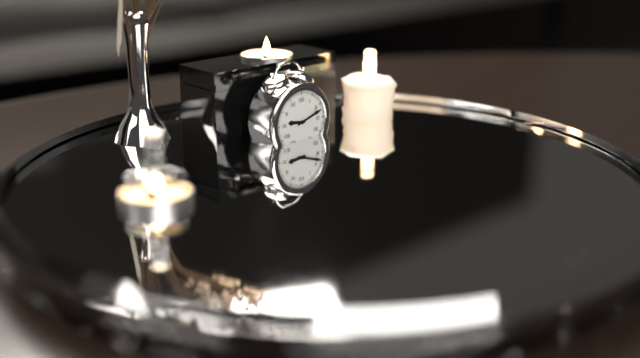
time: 9:12
